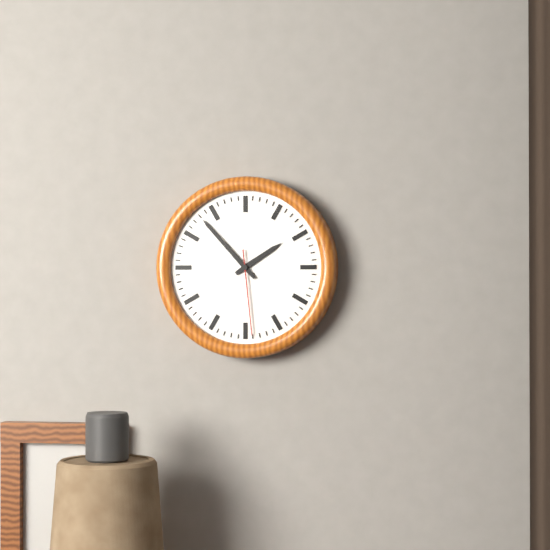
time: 1:53:29
